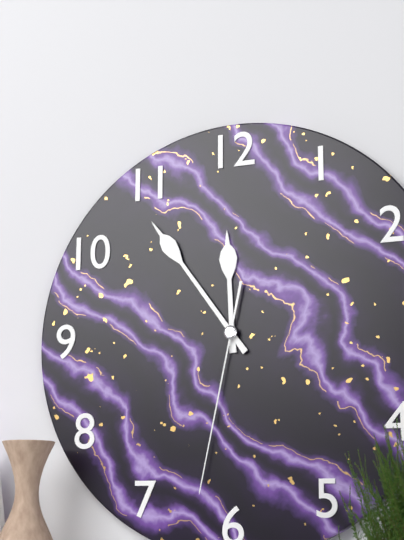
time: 11:54:32
